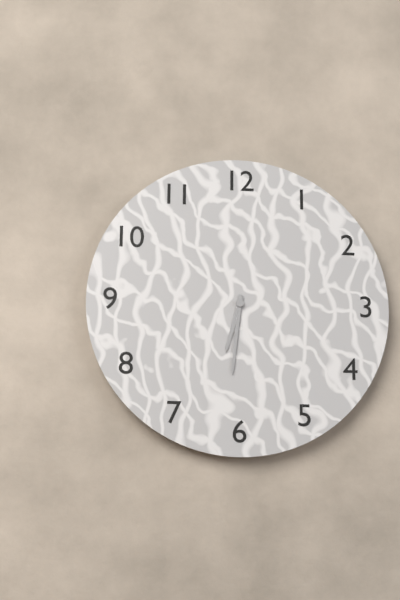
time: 6:31
